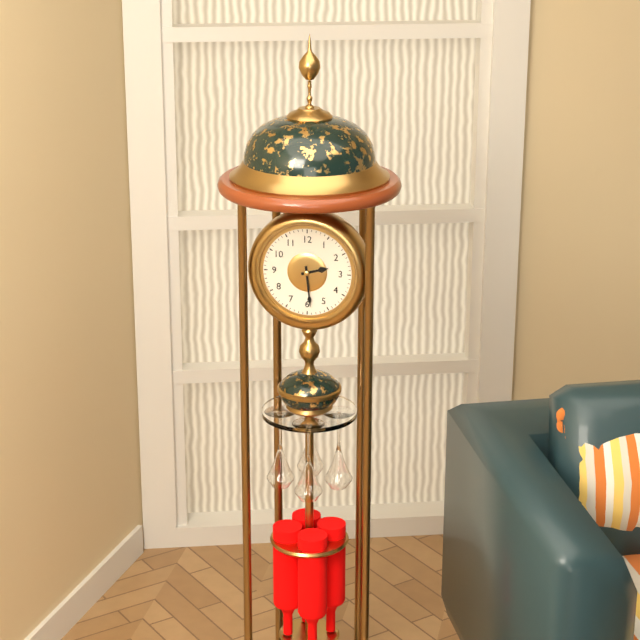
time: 2:29
